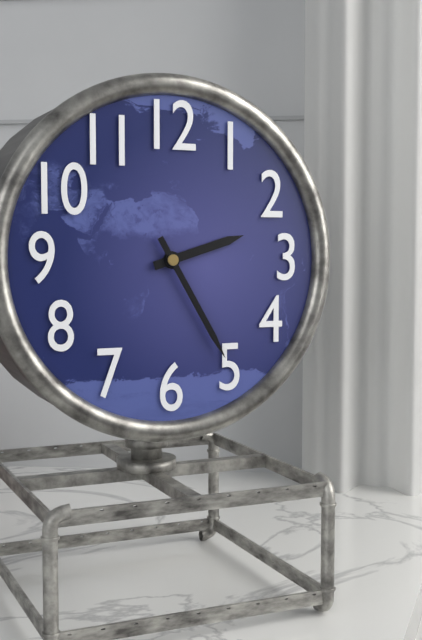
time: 2:25
